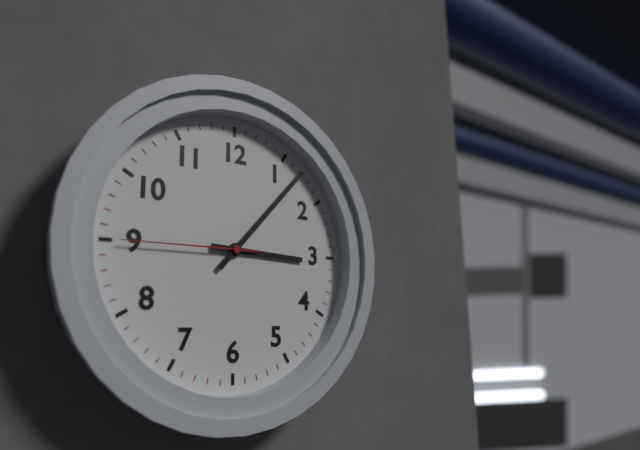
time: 3:07:45
